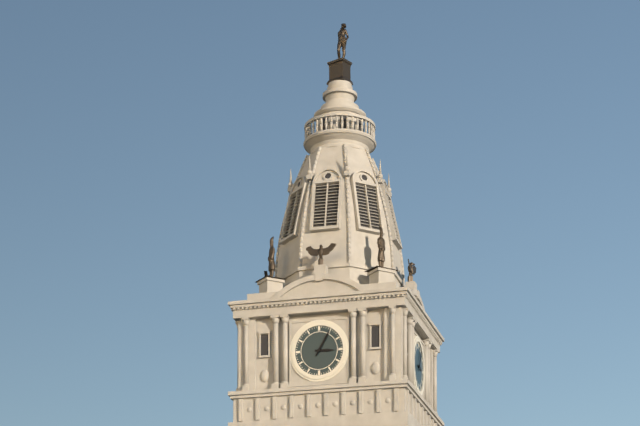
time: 3:05
